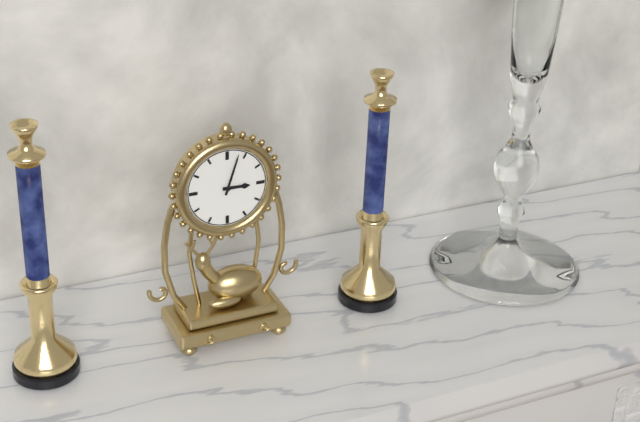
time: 3:03
